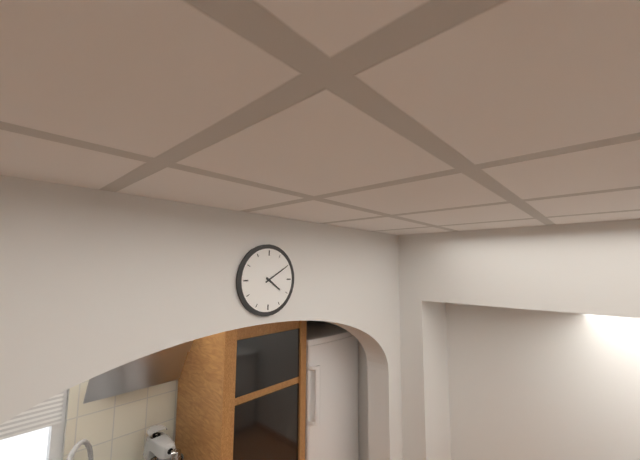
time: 4:10
